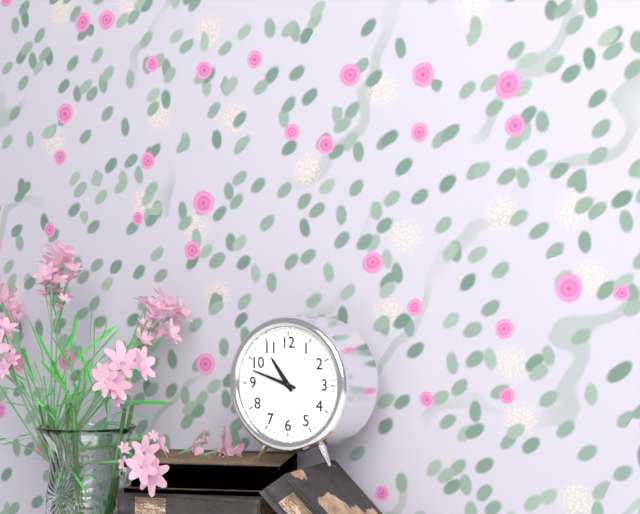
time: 10:48
